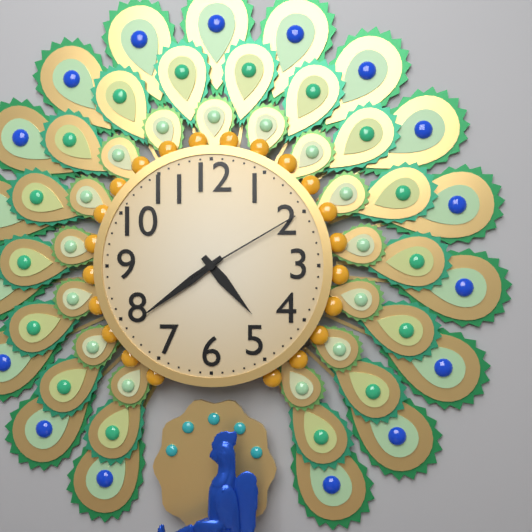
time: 4:39:10
